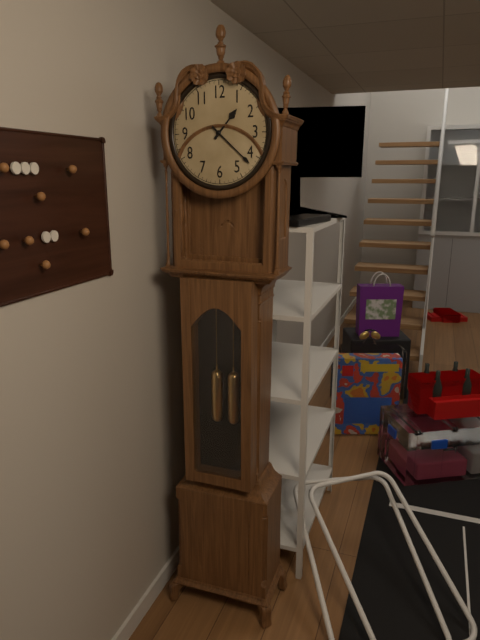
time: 1:22
